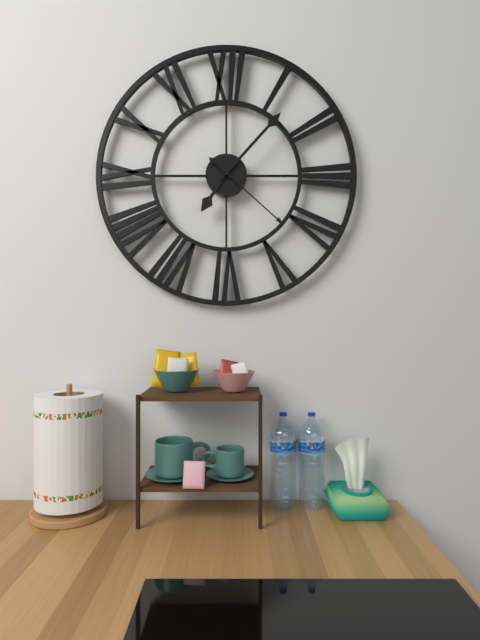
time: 7:07:22
